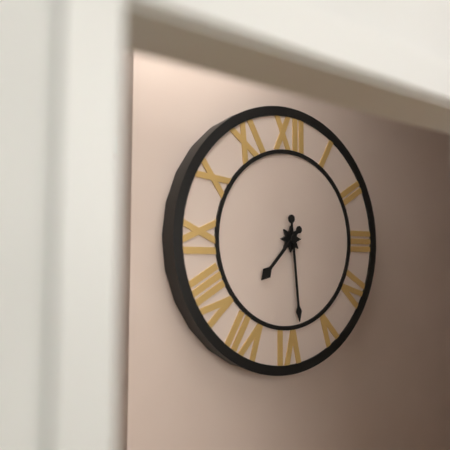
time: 7:29
